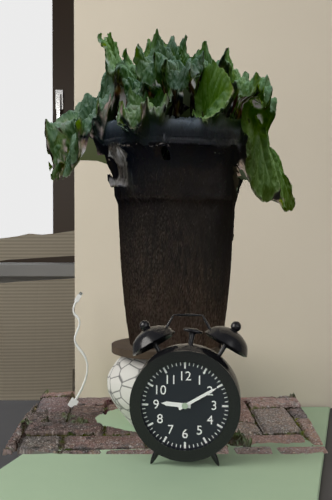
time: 9:10
